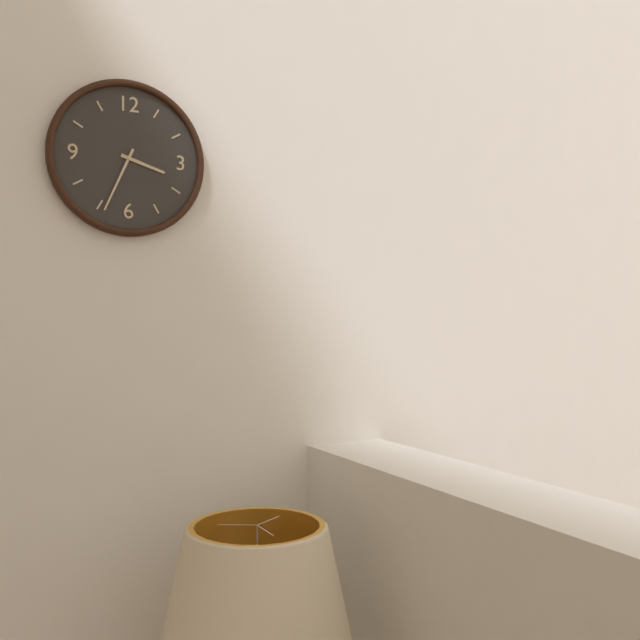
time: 3:34
